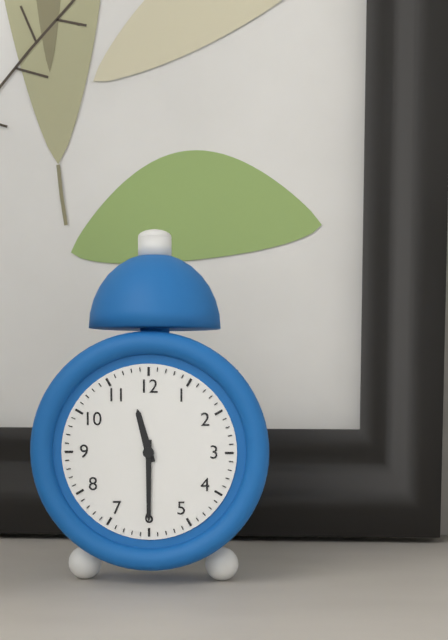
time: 11:30
